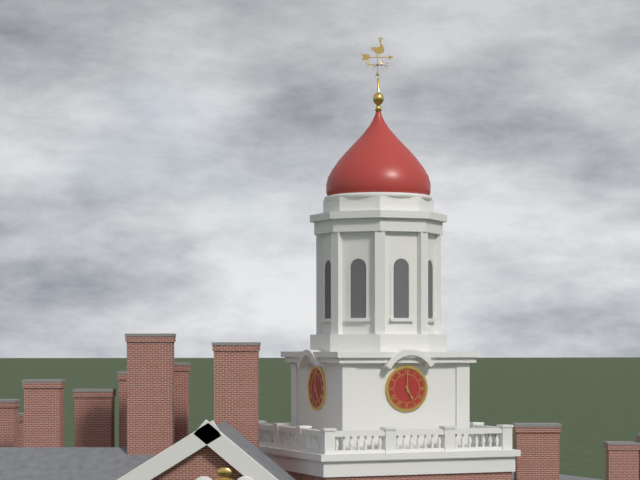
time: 5:00
